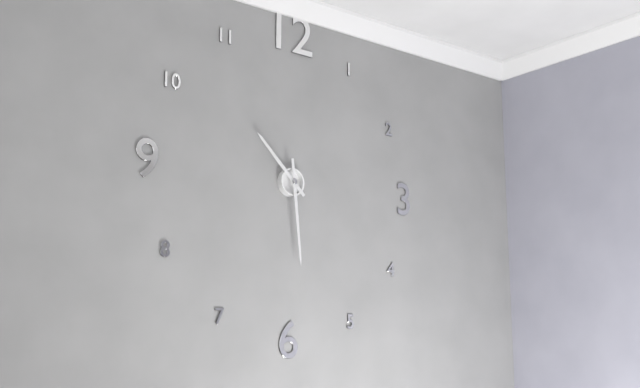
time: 10:29
